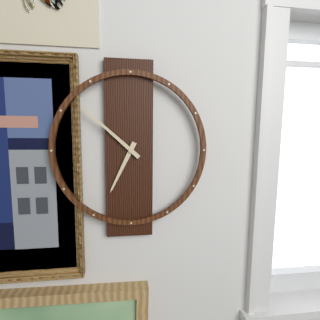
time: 6:52
